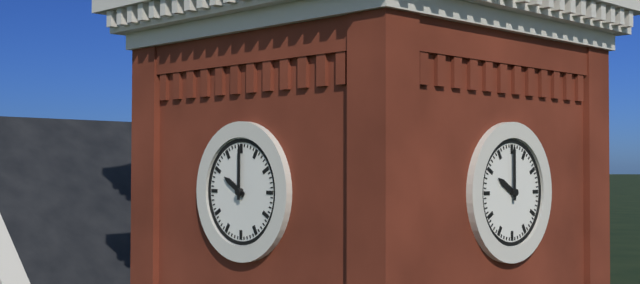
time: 10:00
